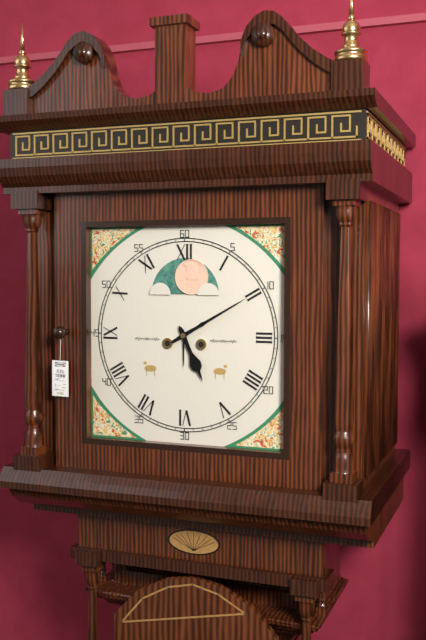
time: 5:10
